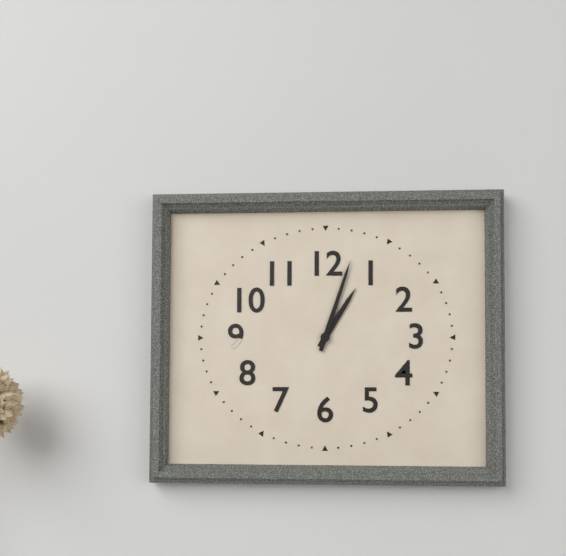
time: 1:03
